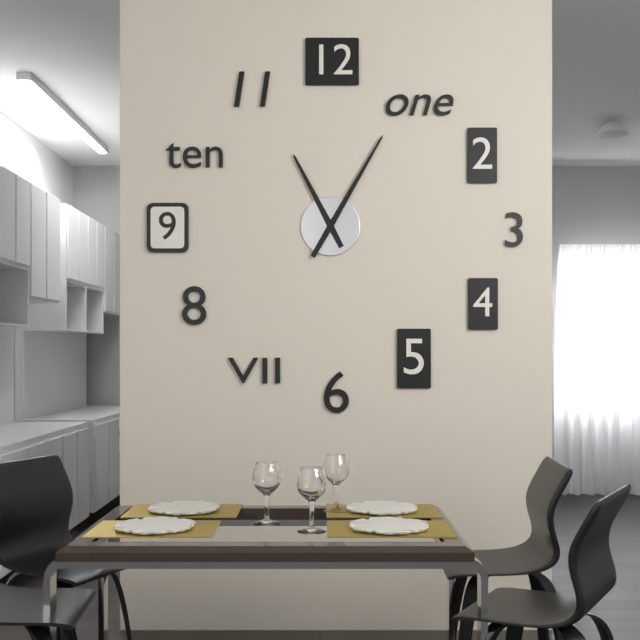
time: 11:05
